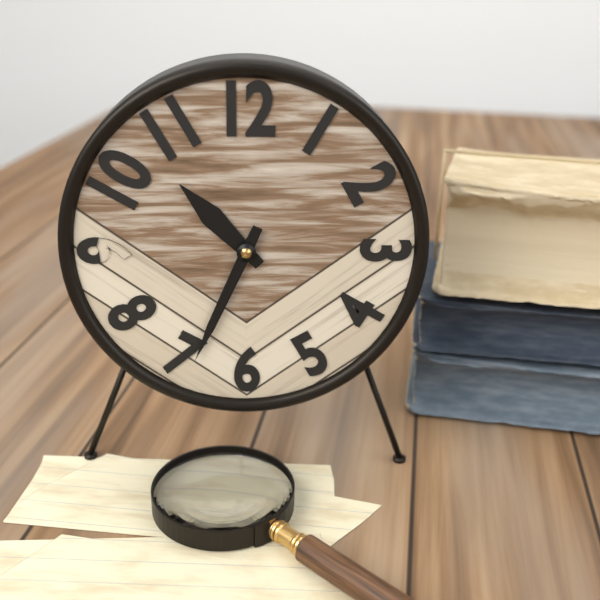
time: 10:34
